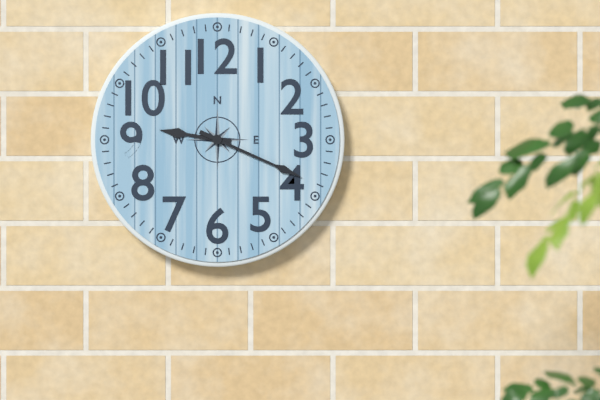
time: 9:19
